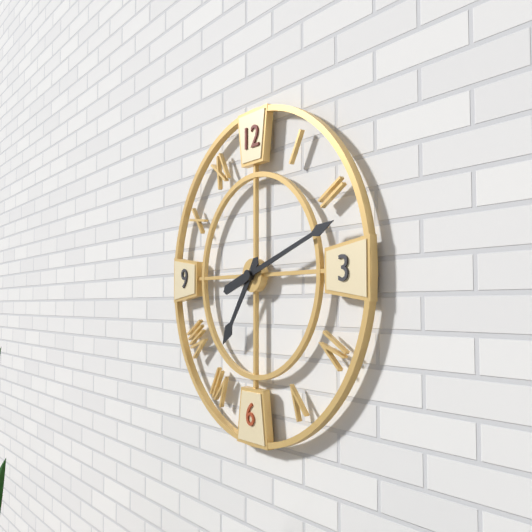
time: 7:12
